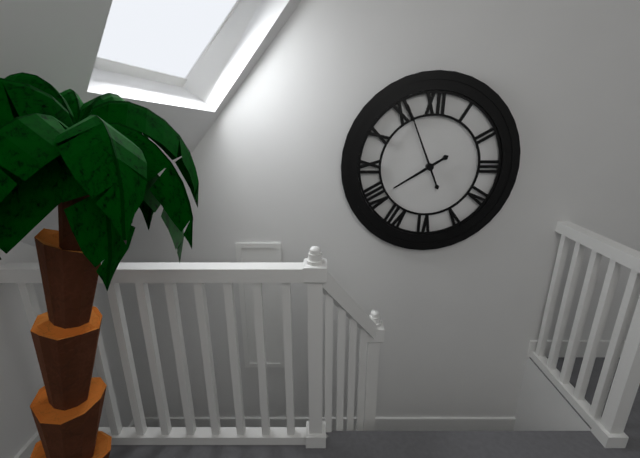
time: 7:56
